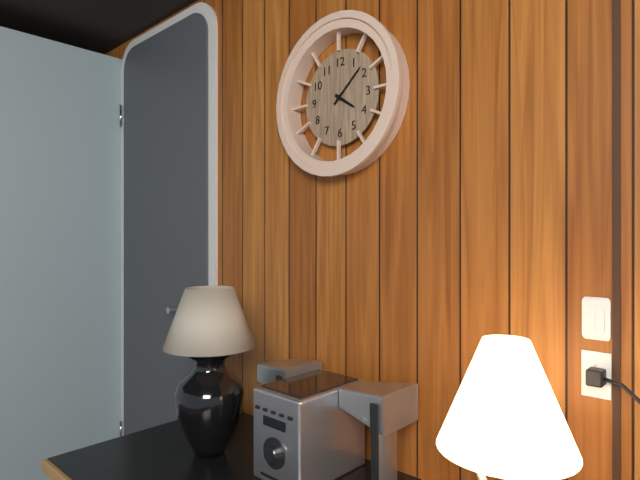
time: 4:08
